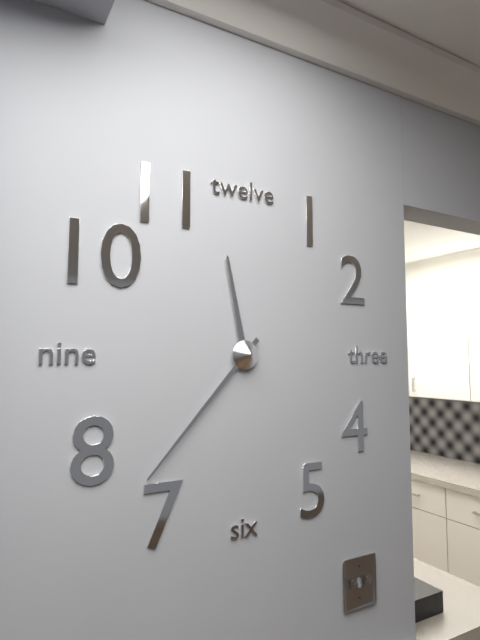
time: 11:37
